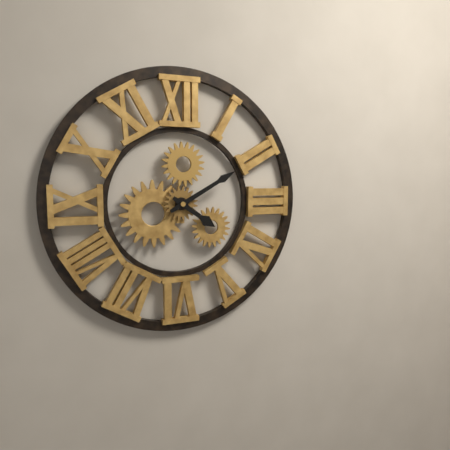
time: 4:10
